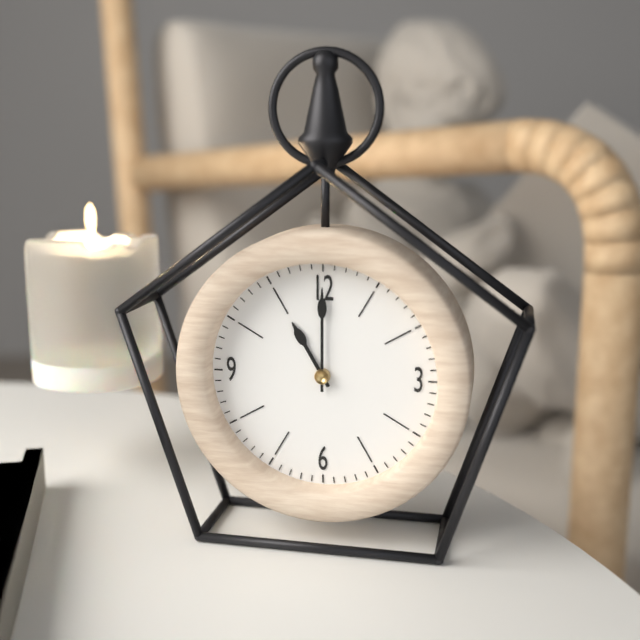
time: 11:00
